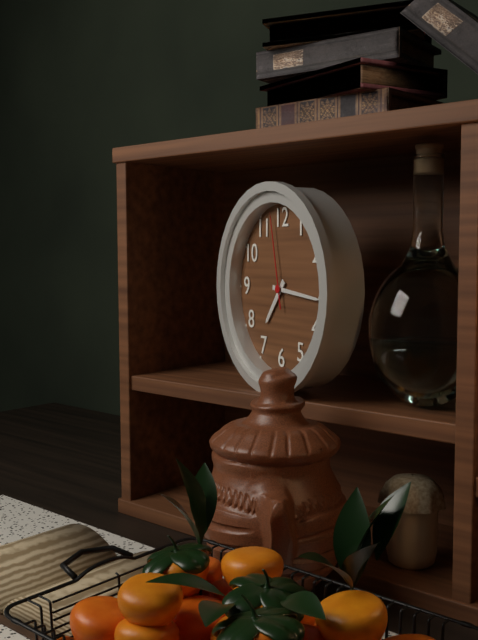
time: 7:16:58
